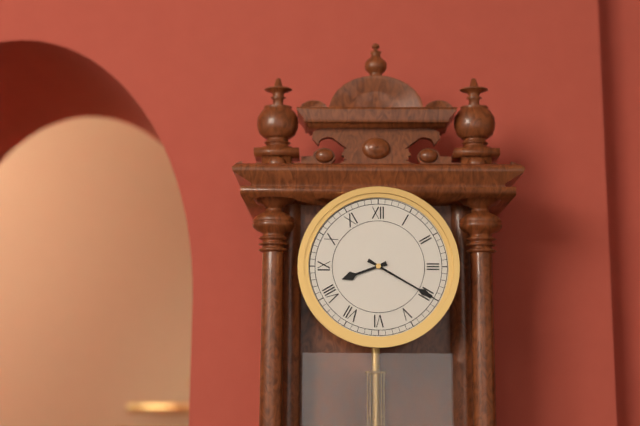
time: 8:20
